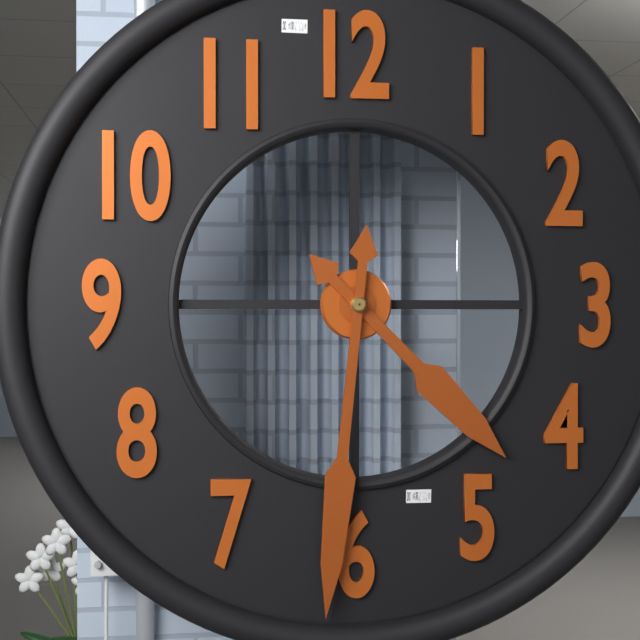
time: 4:31
